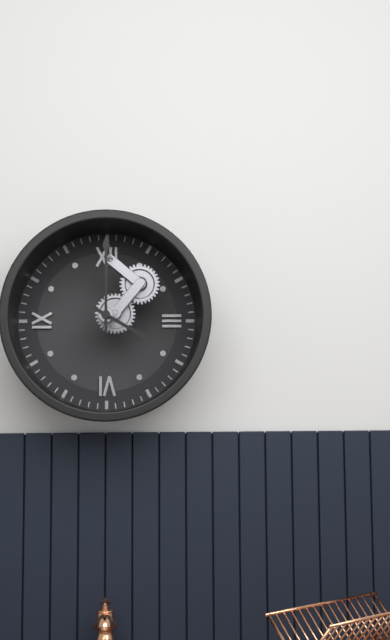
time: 4:00
